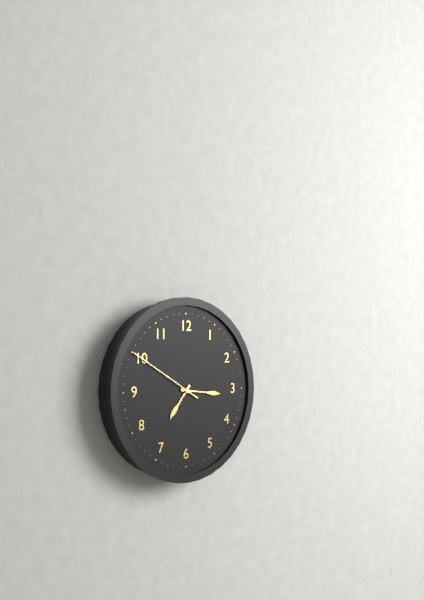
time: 7:16:50
